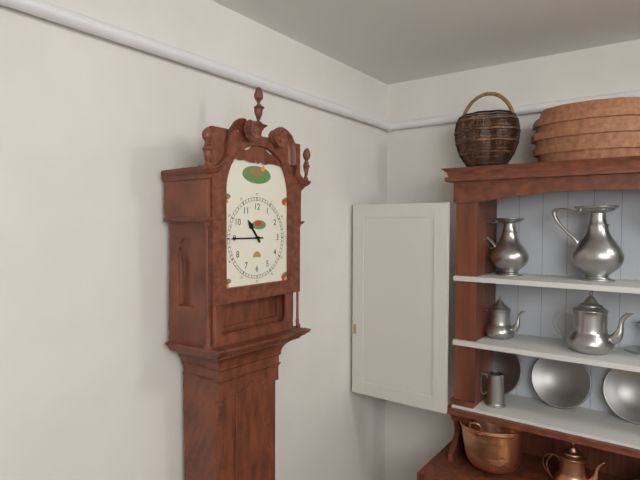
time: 10:45
